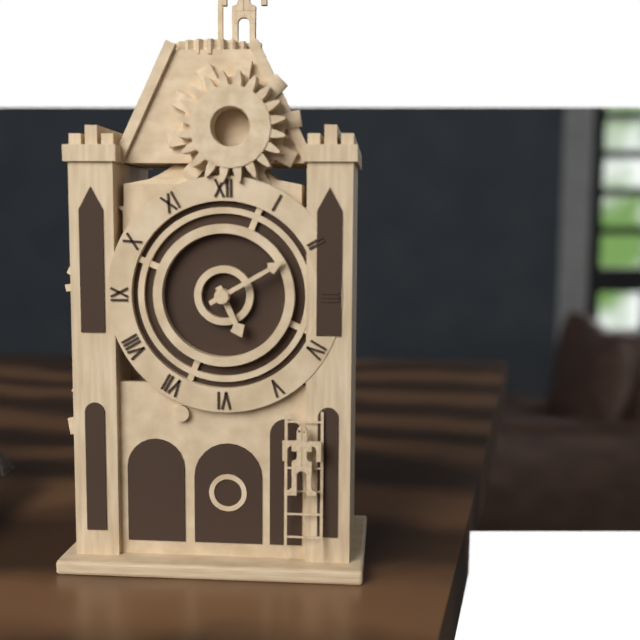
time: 5:10
